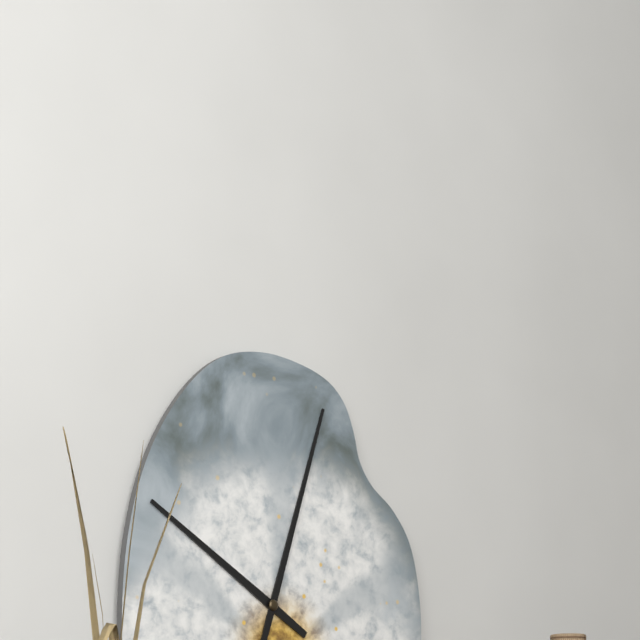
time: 10:03
